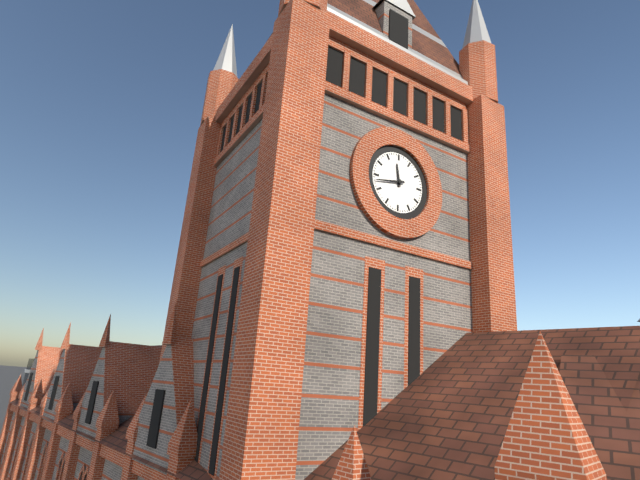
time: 11:43
